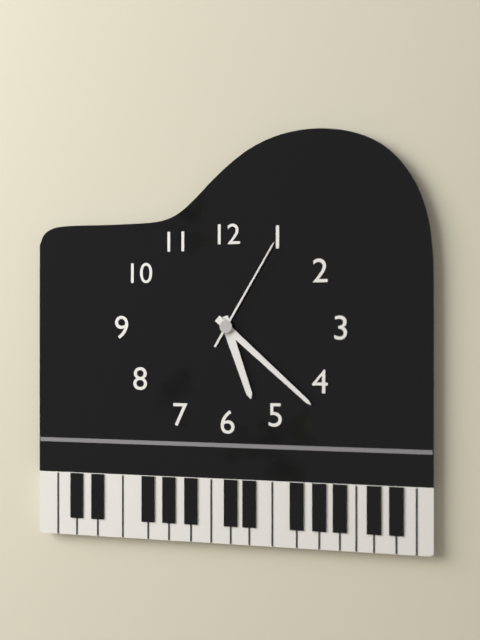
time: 5:22:05
